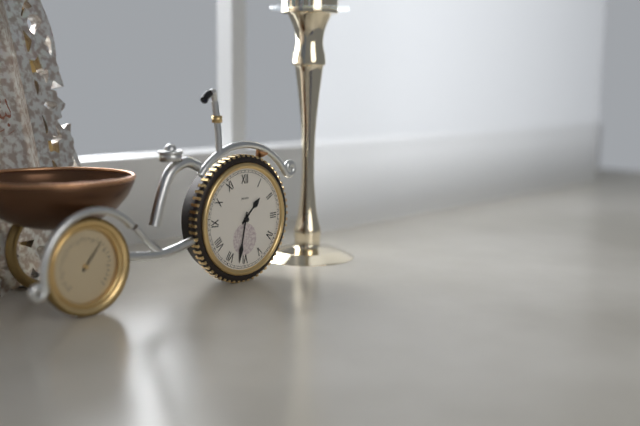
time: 1:32
